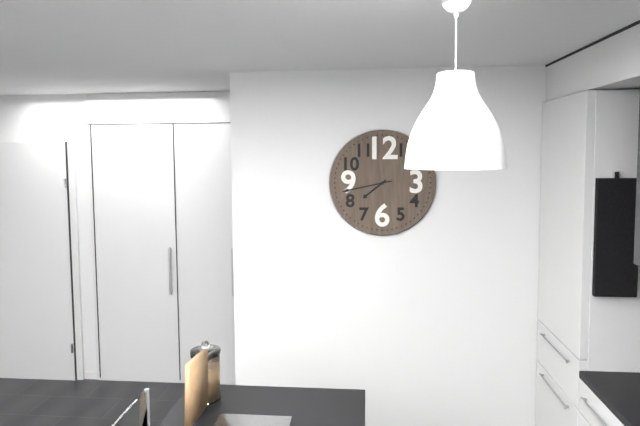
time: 7:43
